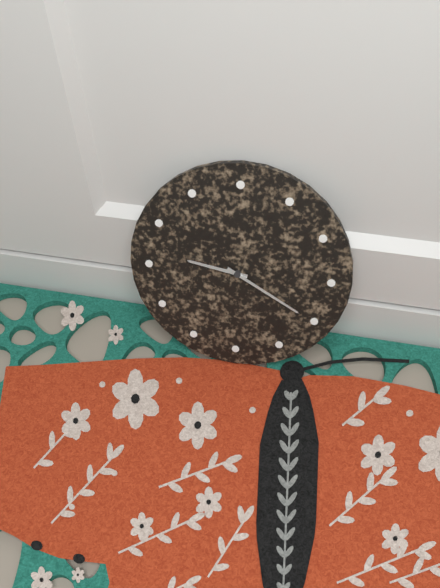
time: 9:20
